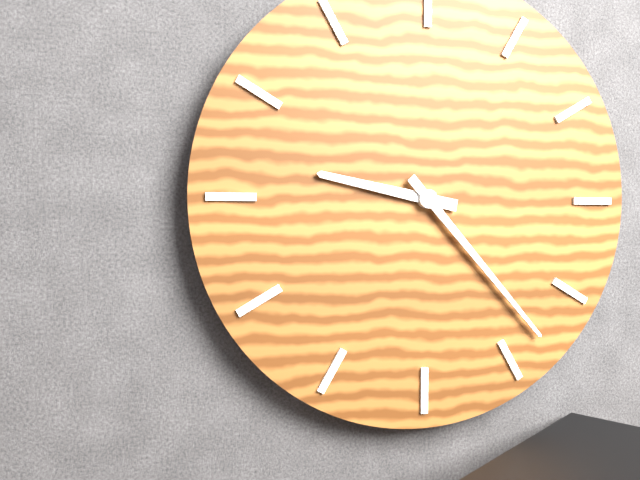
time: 9:23
